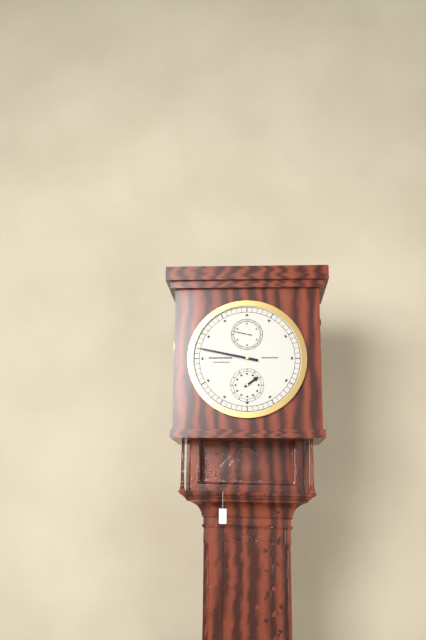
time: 1:47
